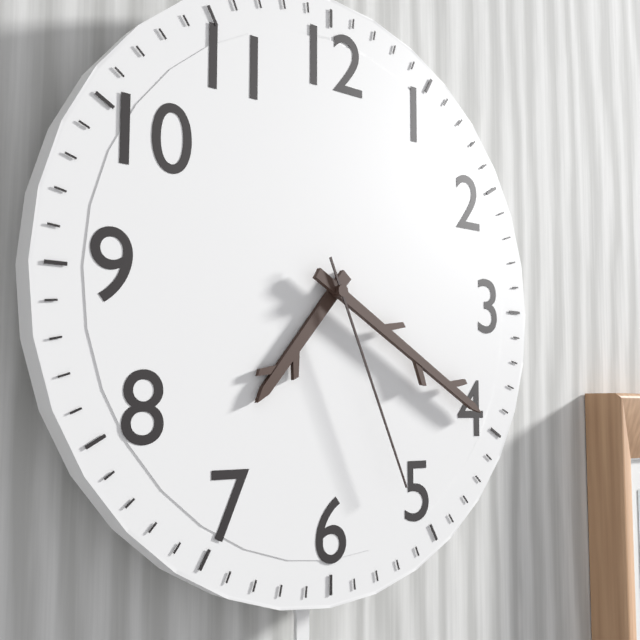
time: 7:20:26
